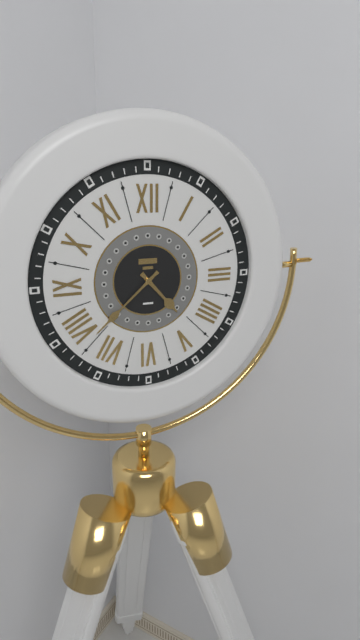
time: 4:38
